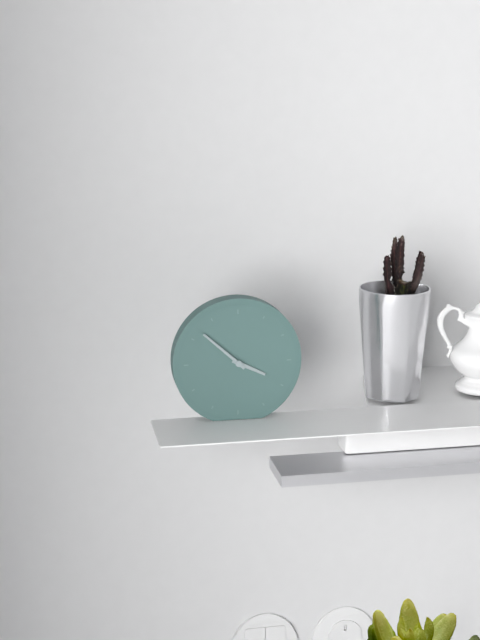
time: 3:52
